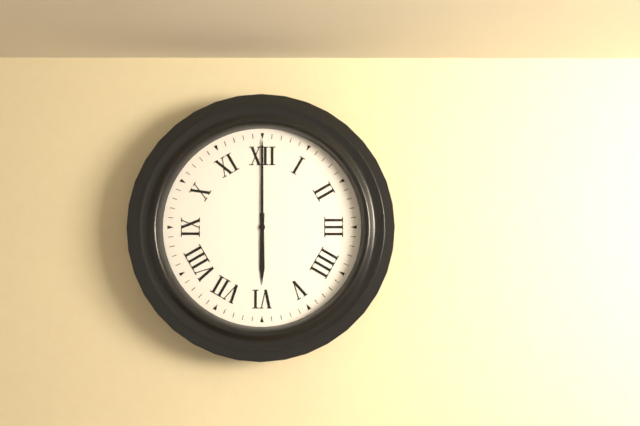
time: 6:00
